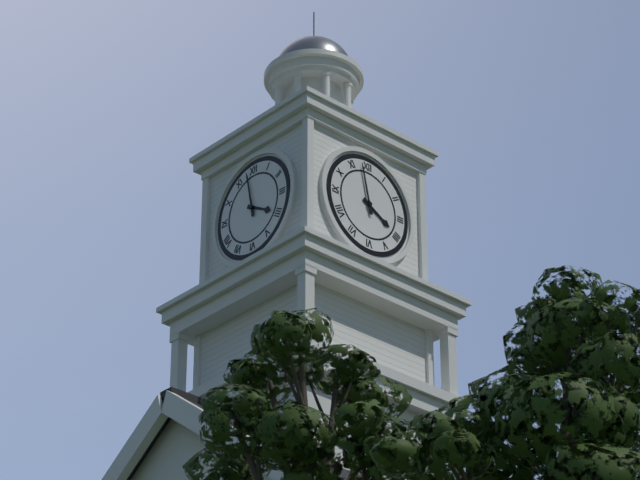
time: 3:58
